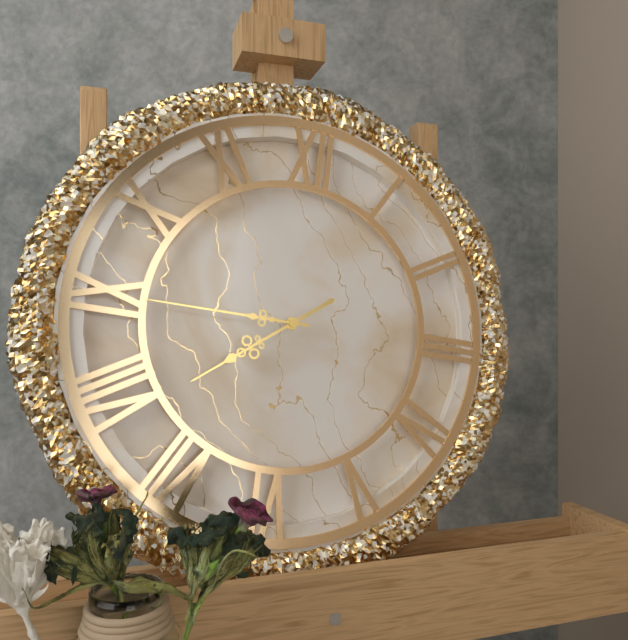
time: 7:45
